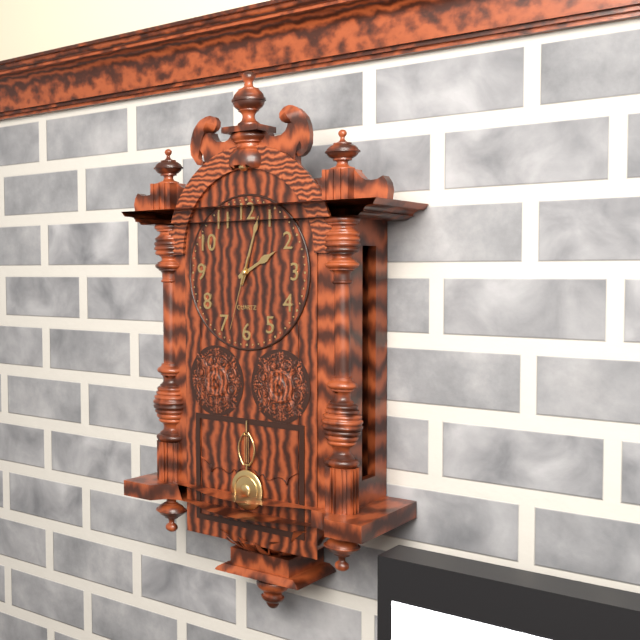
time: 2:03:33
